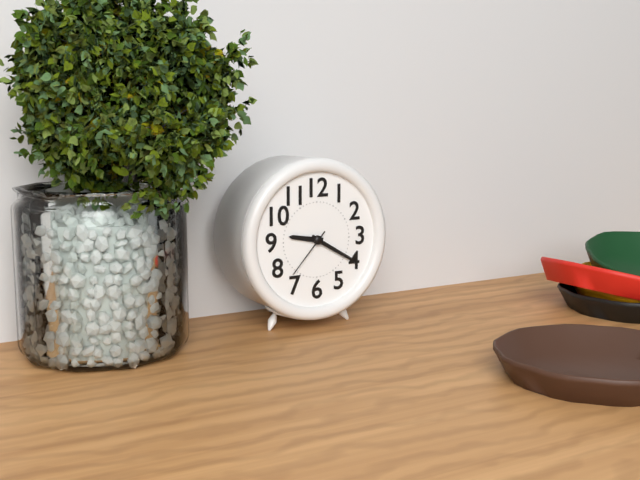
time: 9:20:37
